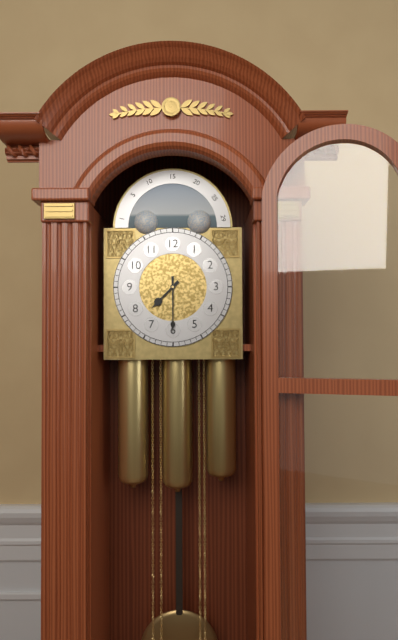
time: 7:30
